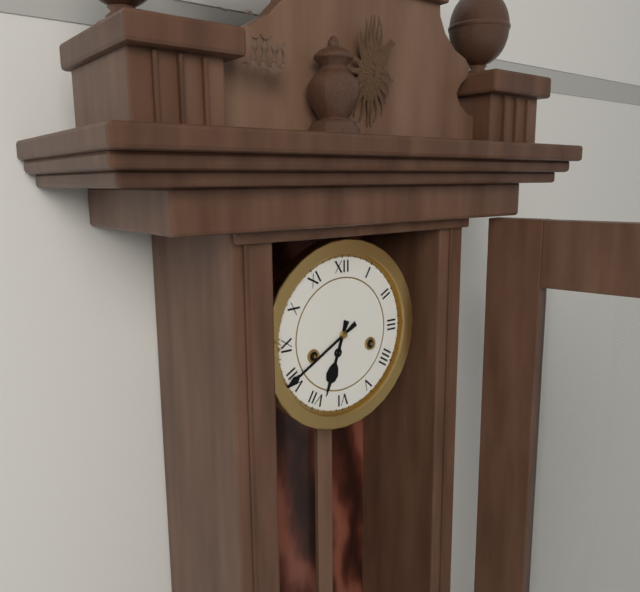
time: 6:40
